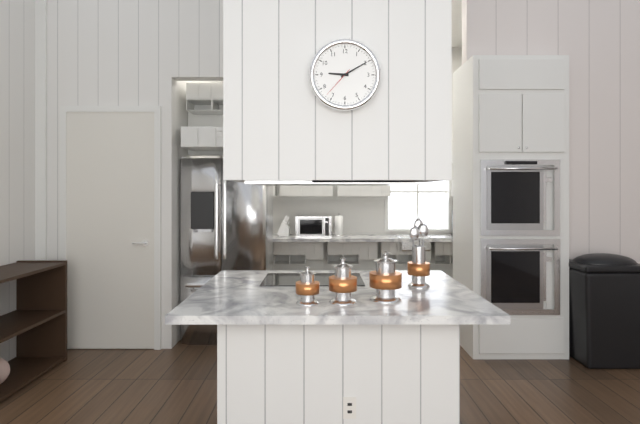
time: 9:10
